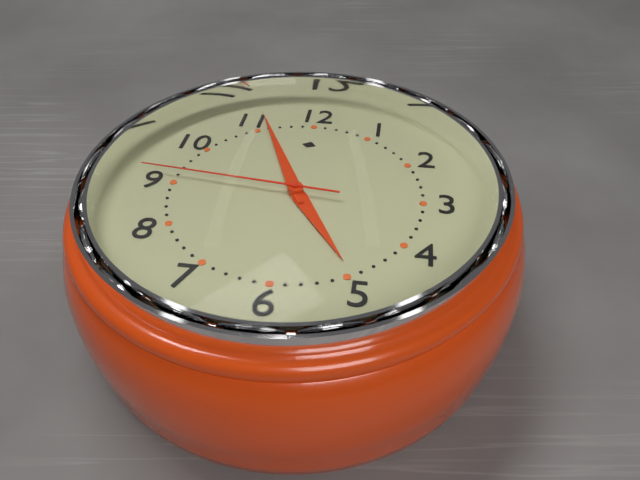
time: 4:56:46
